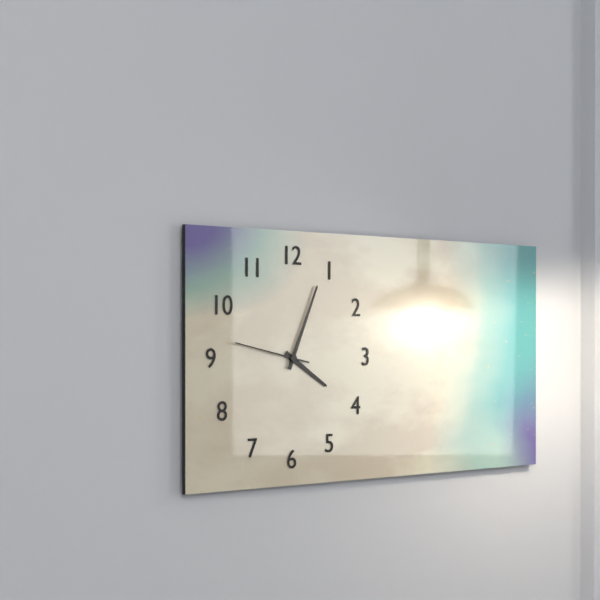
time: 4:04:47
